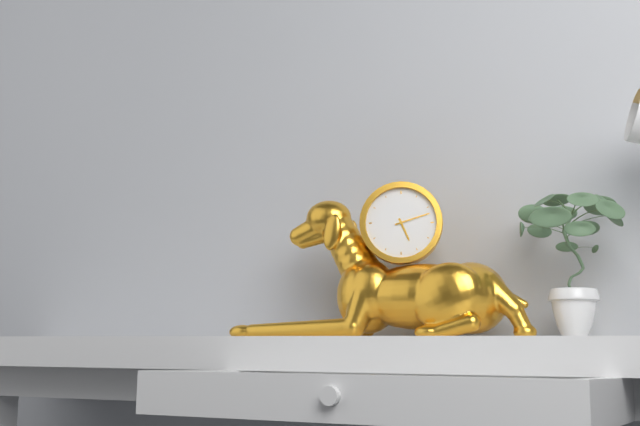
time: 5:12
